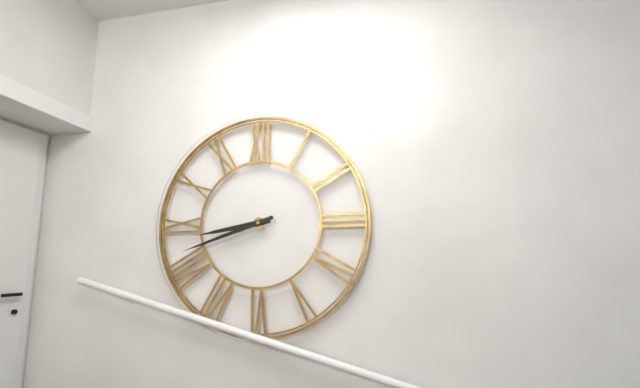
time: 8:42
